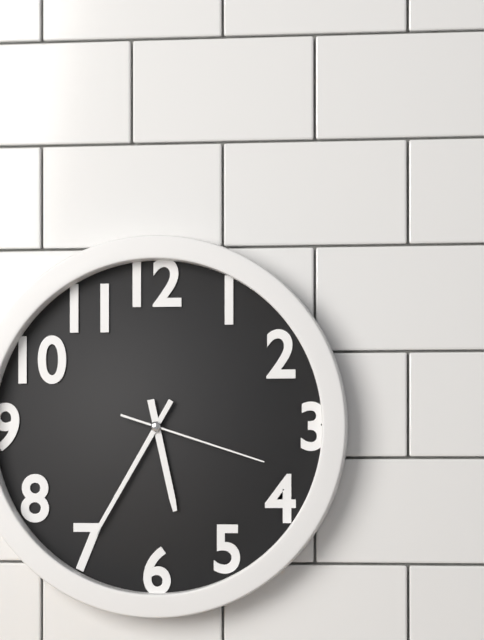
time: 5:35:18
